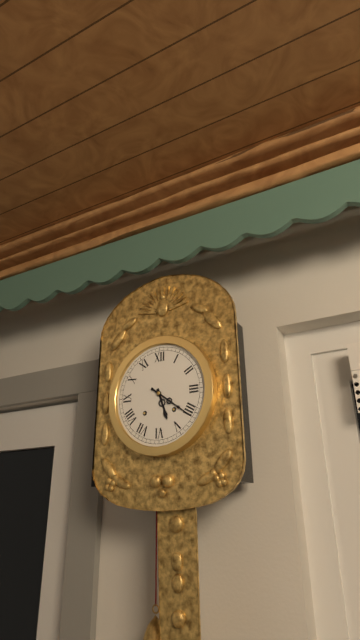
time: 5:21
